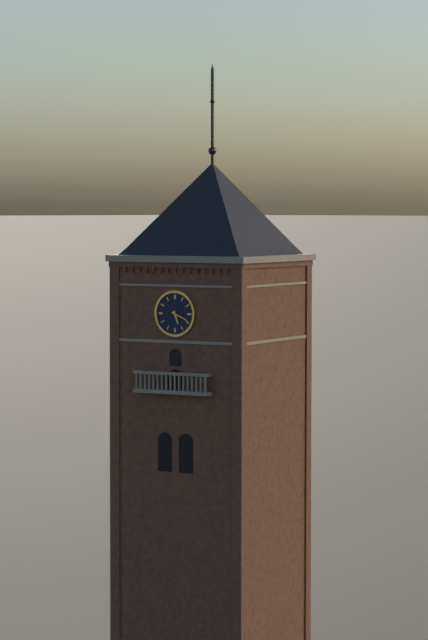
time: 5:19
